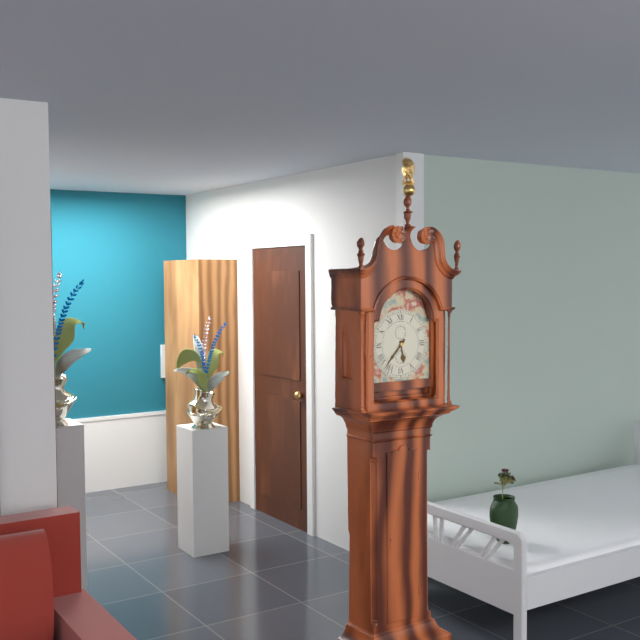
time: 5:37
